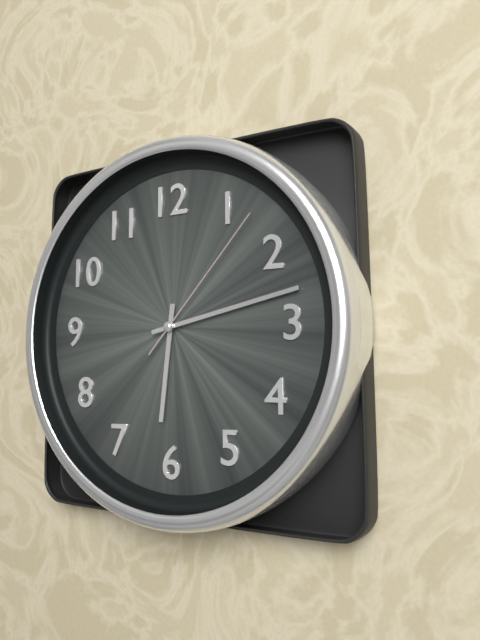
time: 6:13:07
